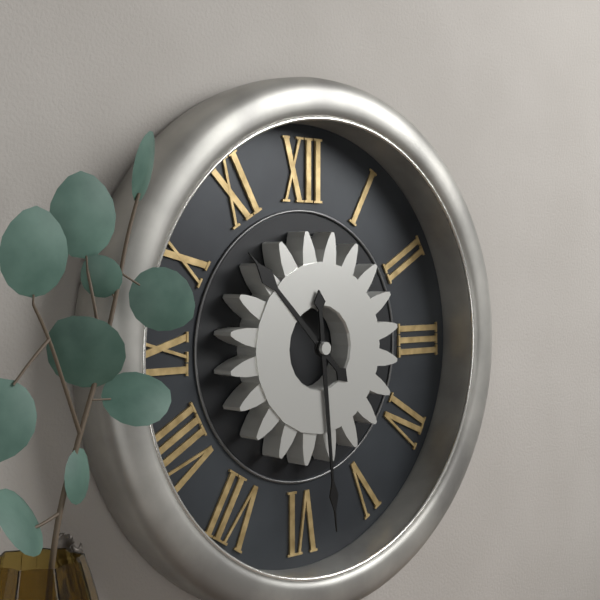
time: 10:29
